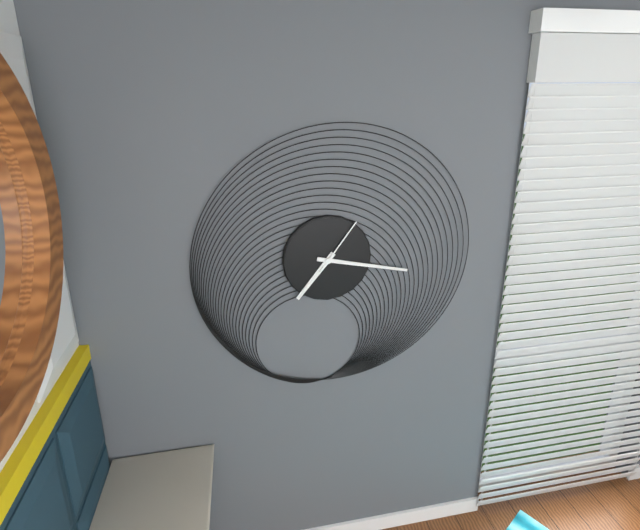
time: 7:17:06
